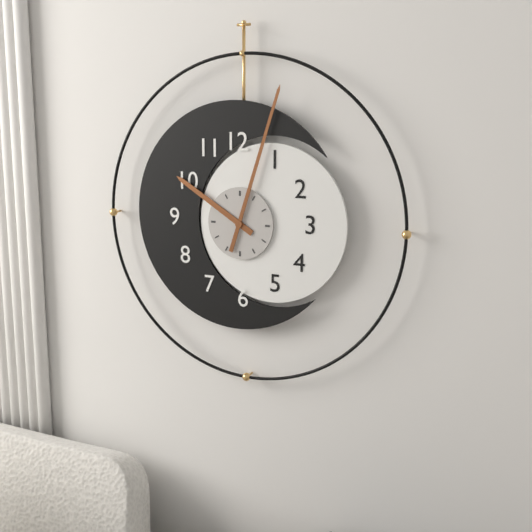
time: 10:03
